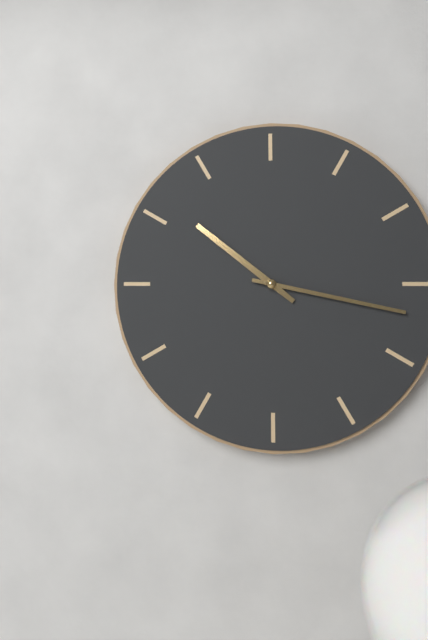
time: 10:17
